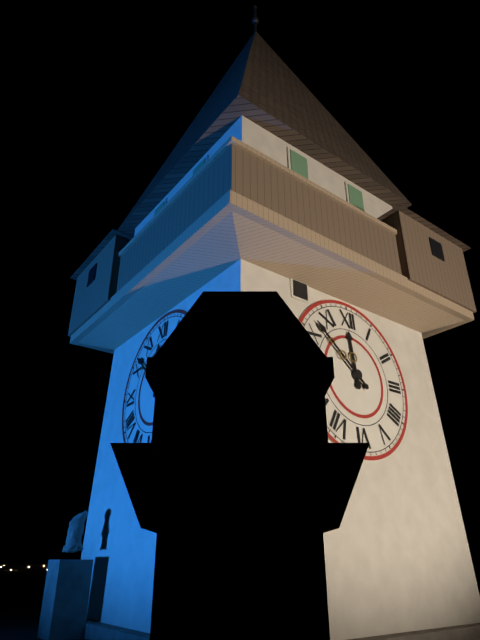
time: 11:52
